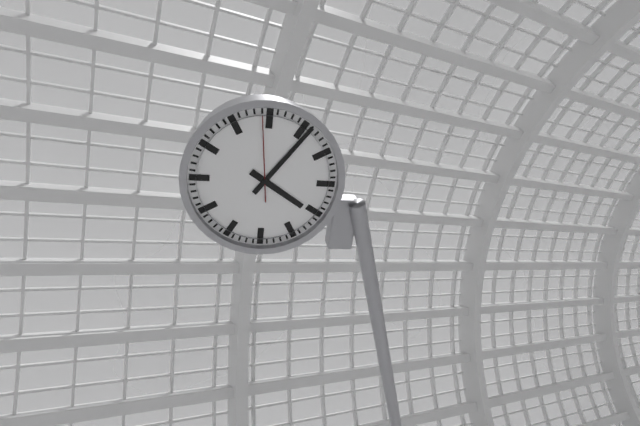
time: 4:06:59
